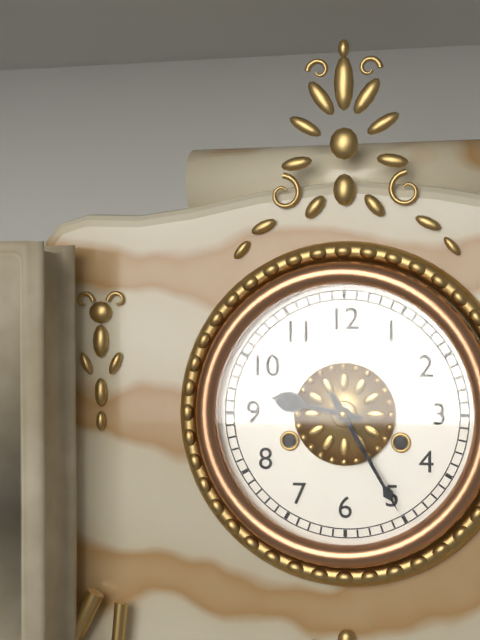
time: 9:25
